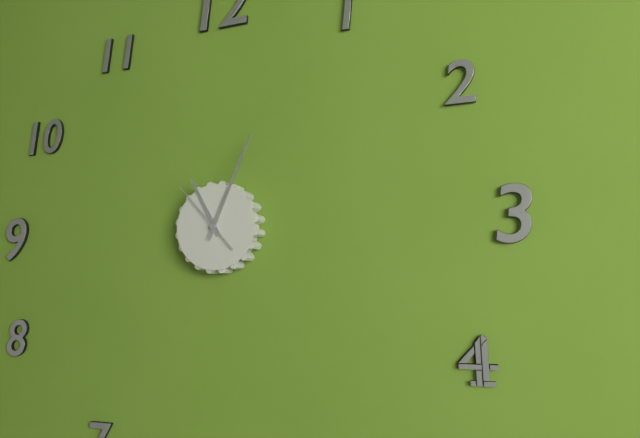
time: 11:04:53
